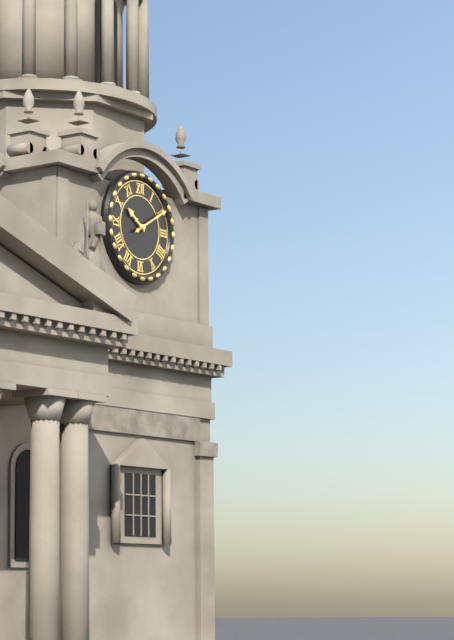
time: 10:10
